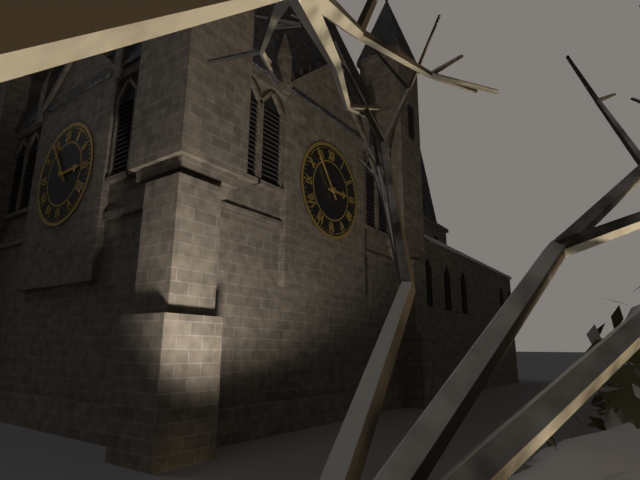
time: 2:54
